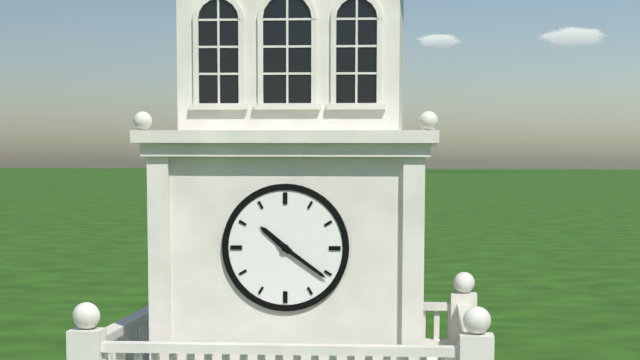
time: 10:21
